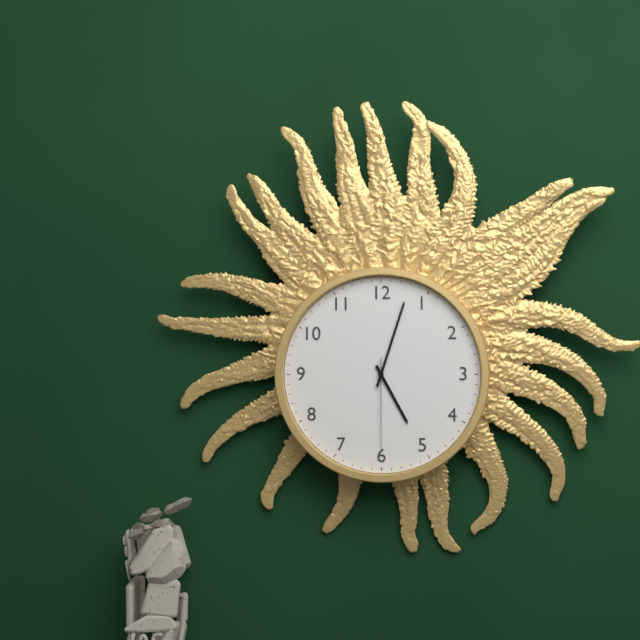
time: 5:03:30
